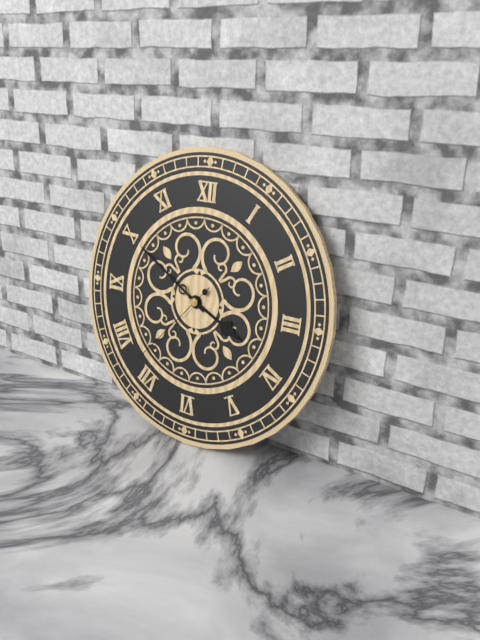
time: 3:50:37
